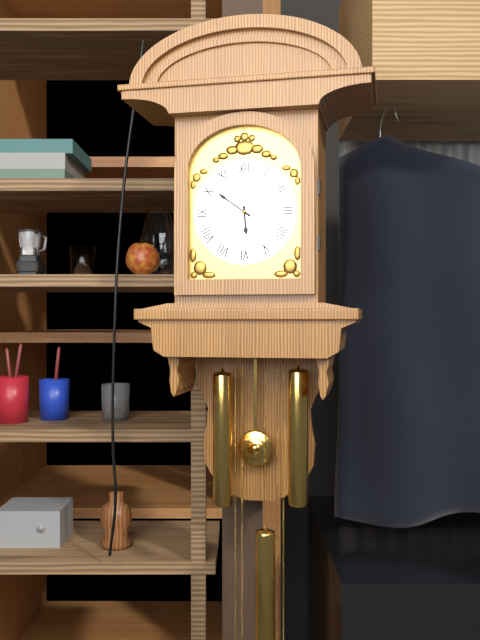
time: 5:51
